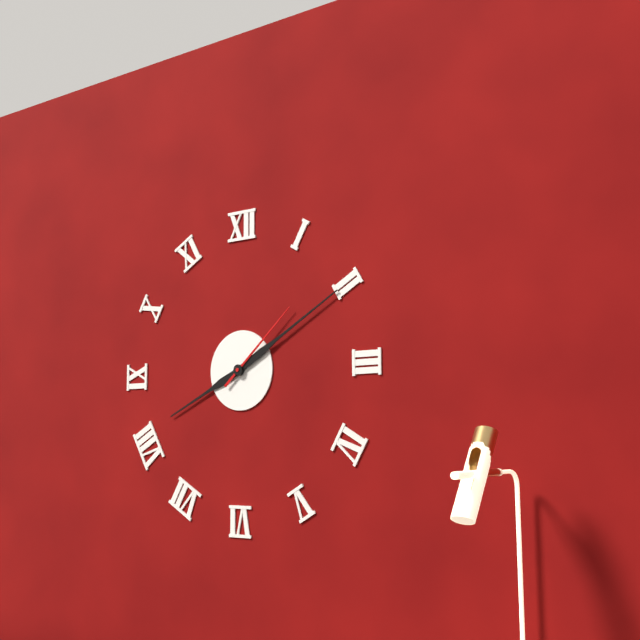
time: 8:10:08
